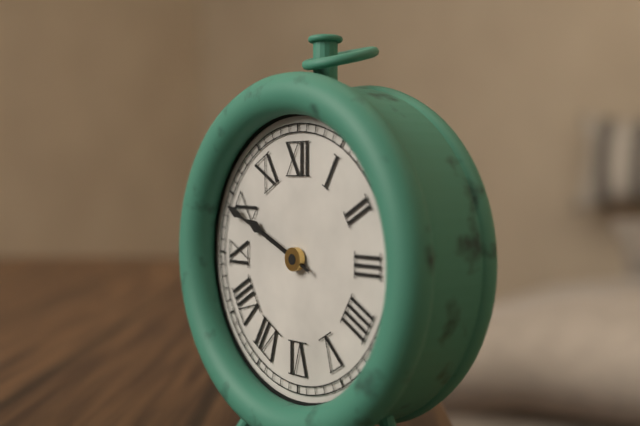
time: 9:49
